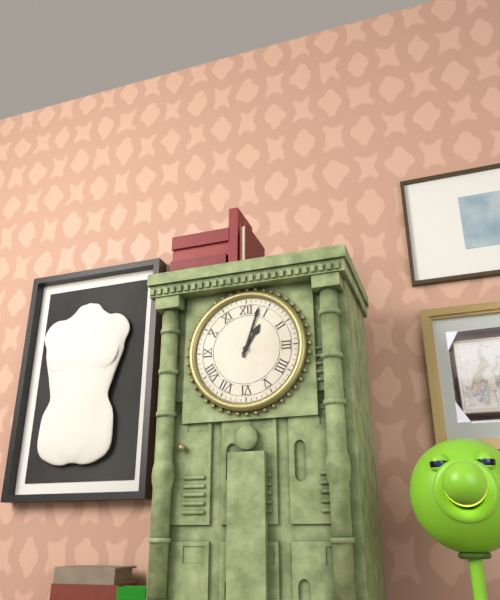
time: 1:03
